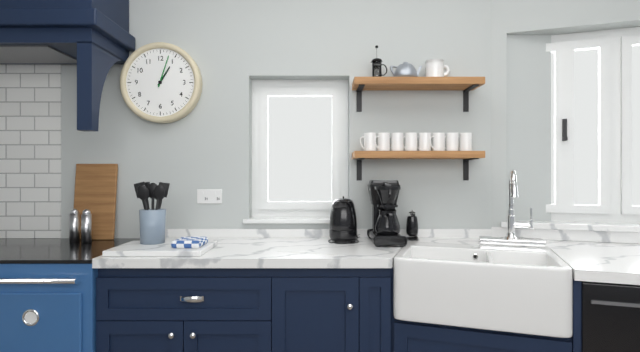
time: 1:03
